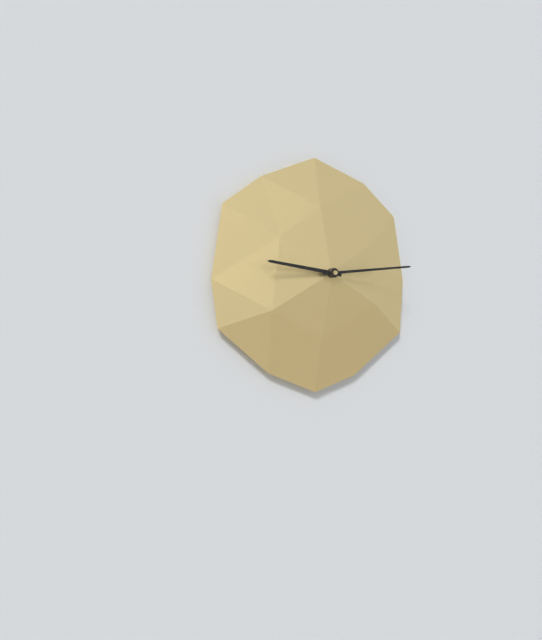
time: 9:14
